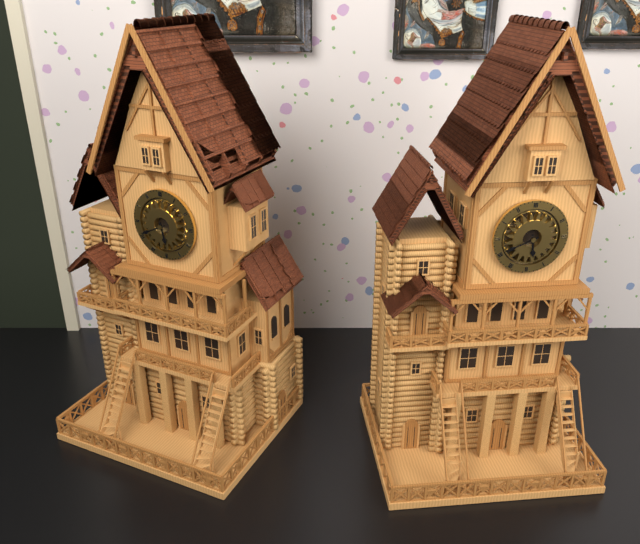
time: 5:41
